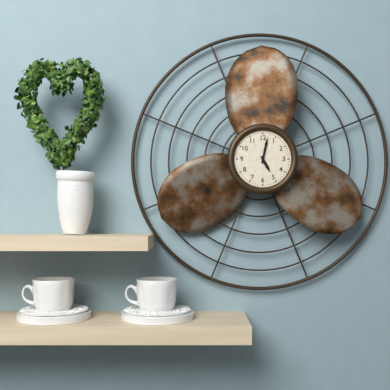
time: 5:02
